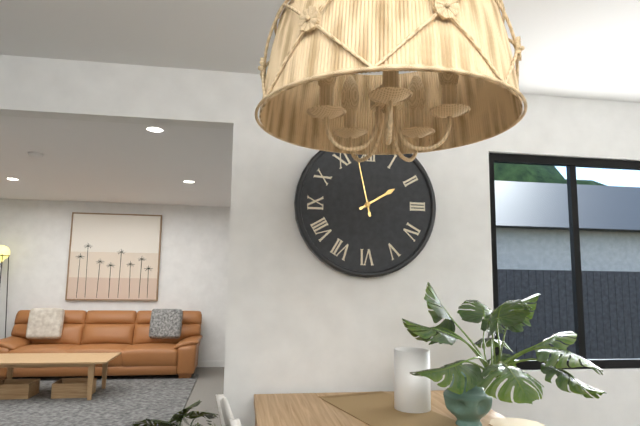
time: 1:58
